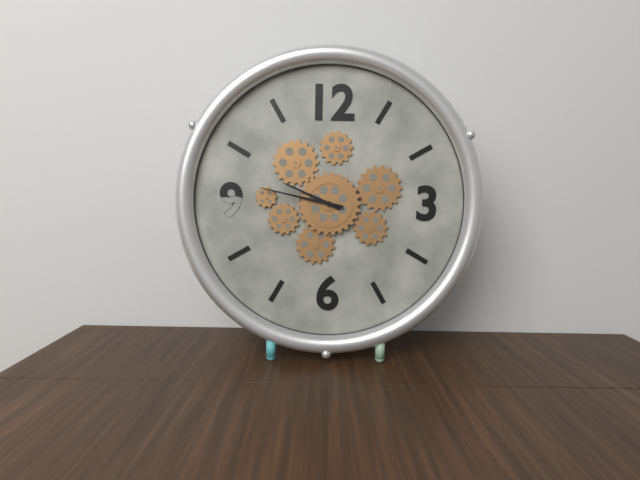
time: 9:47
